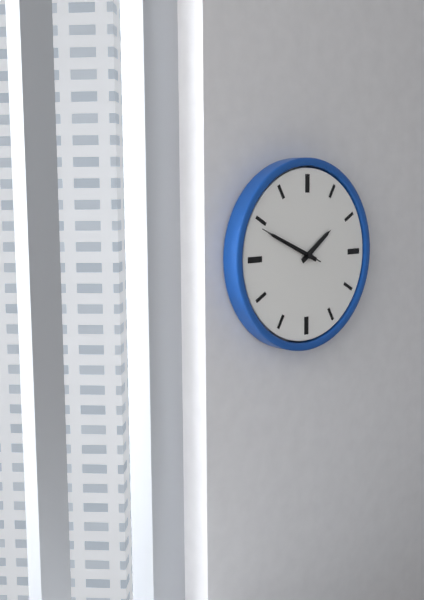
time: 1:49
